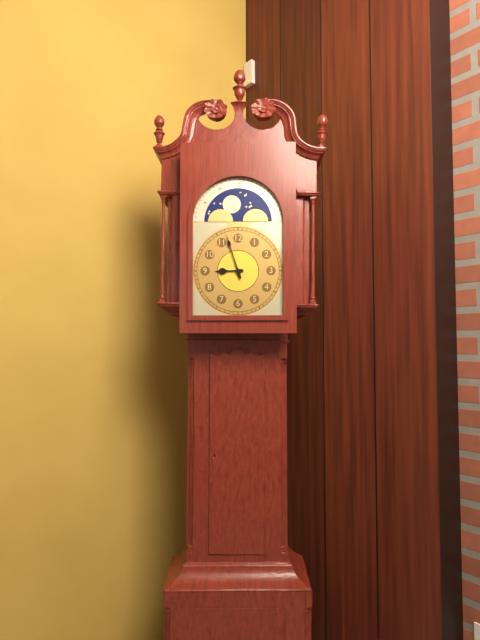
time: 8:57
